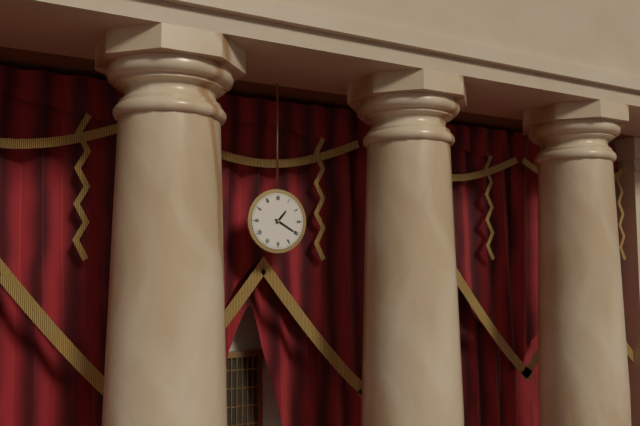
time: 1:20
